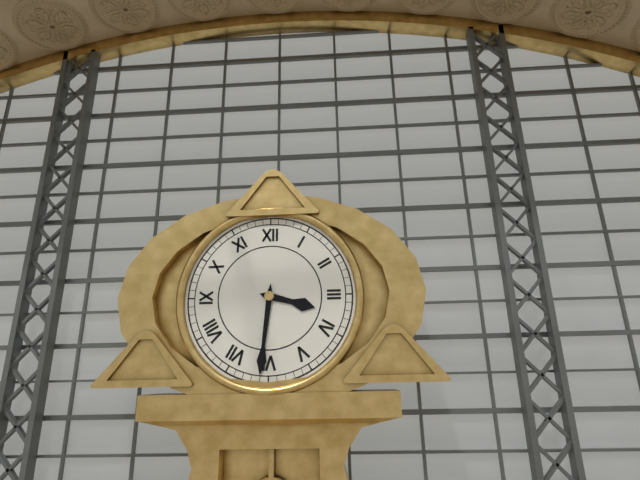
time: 3:31
